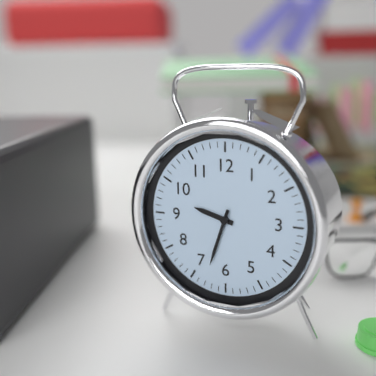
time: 9:33
